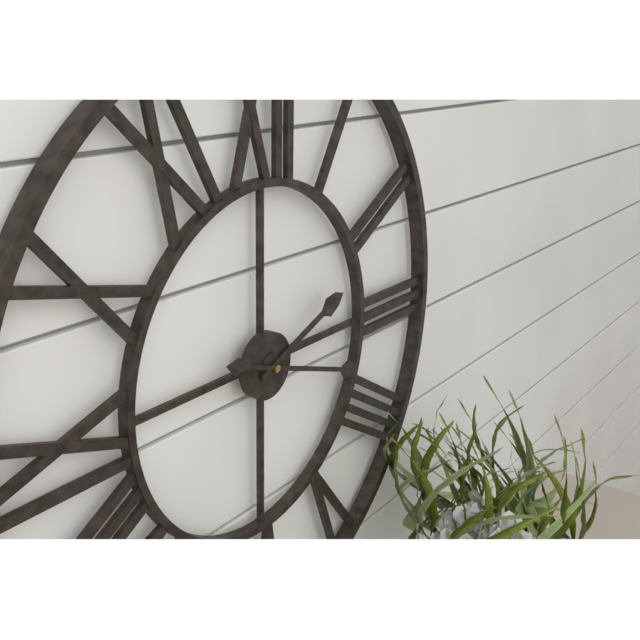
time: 2:18
